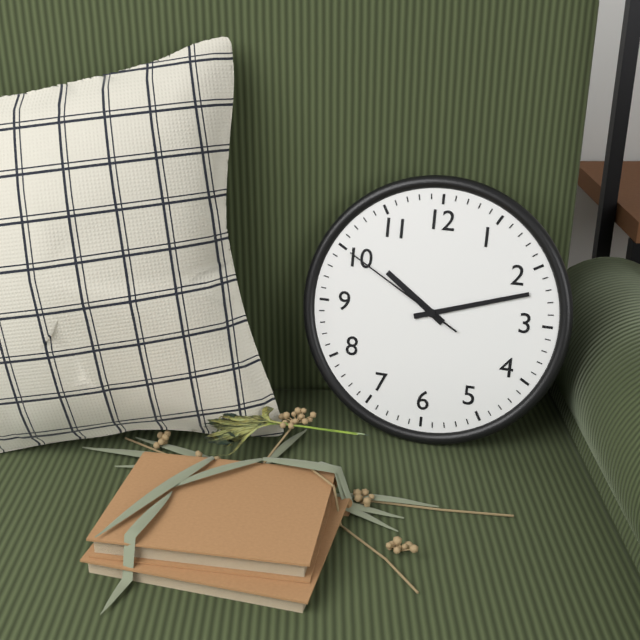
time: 10:12:50
